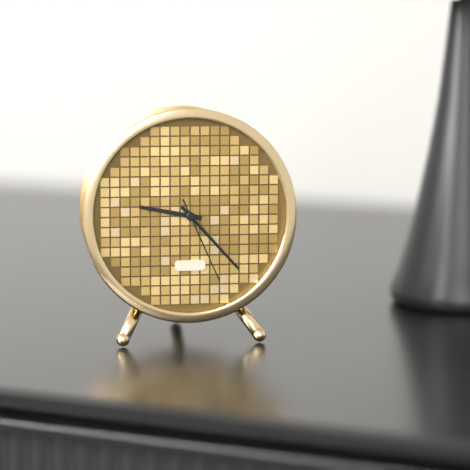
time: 9:23:26
